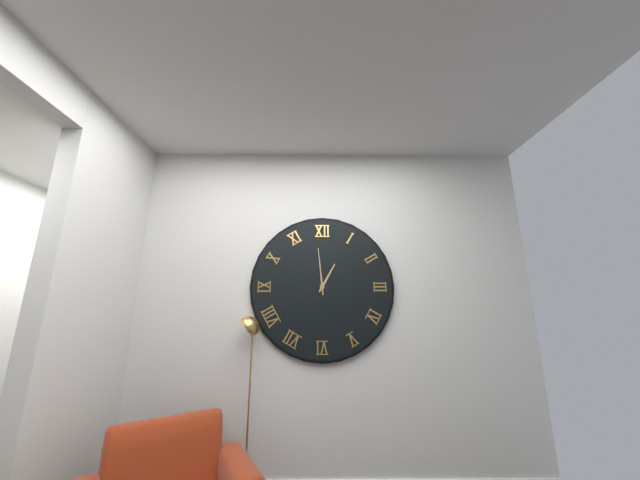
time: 12:59
